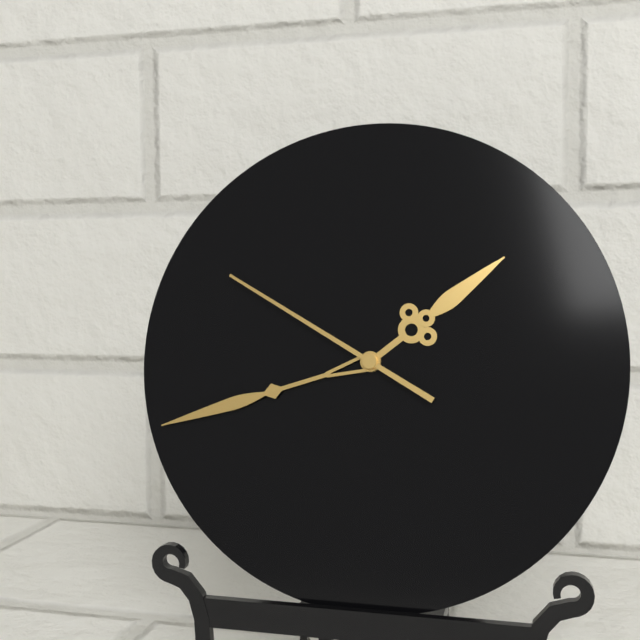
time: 1:42:50
